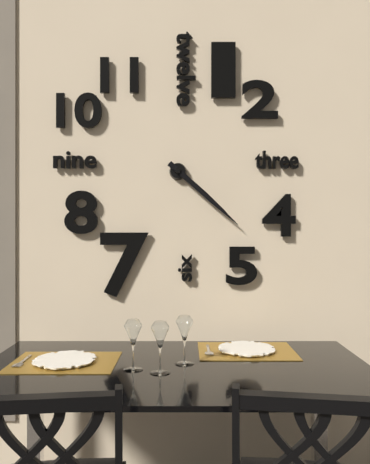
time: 4:22
